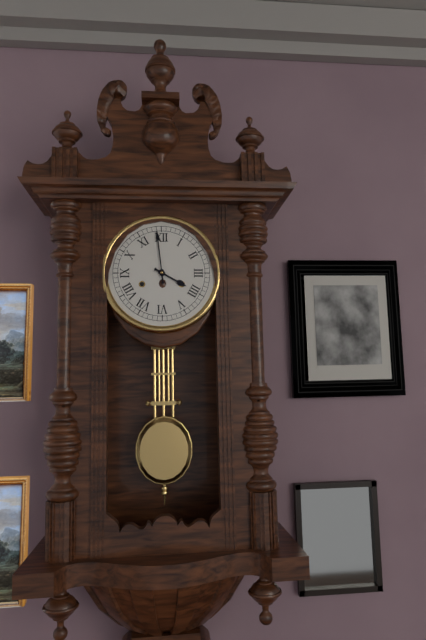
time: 3:59
